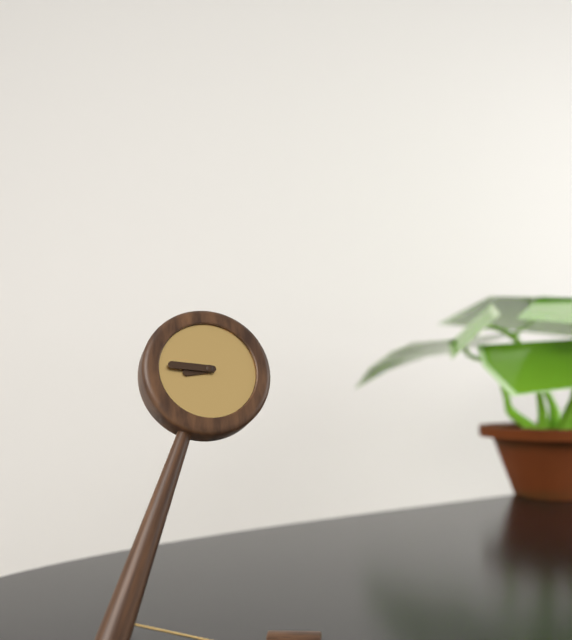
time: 8:46
